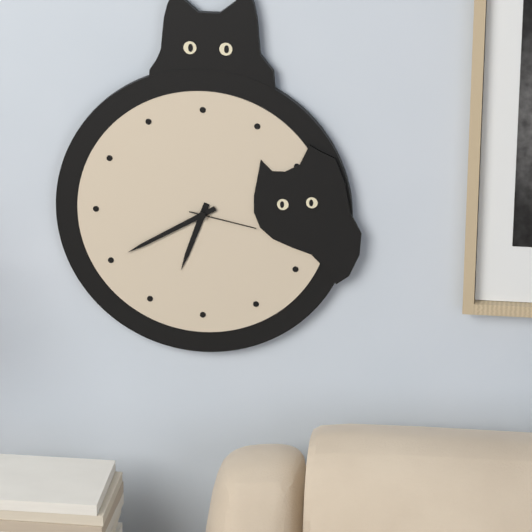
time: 6:40:17
